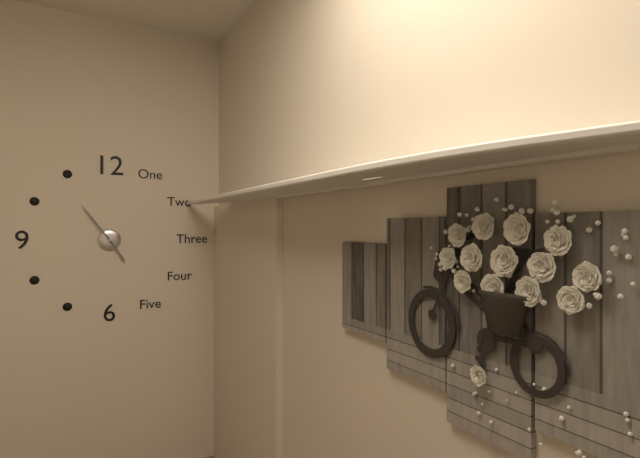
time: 4:54
